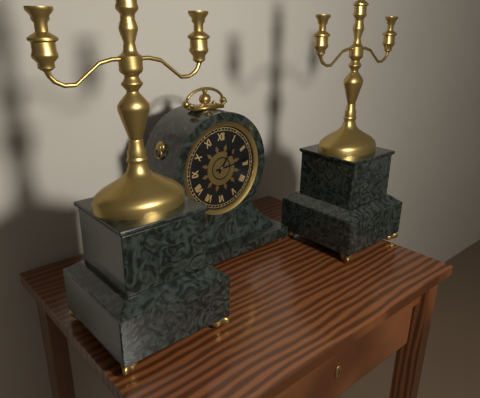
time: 1:14
